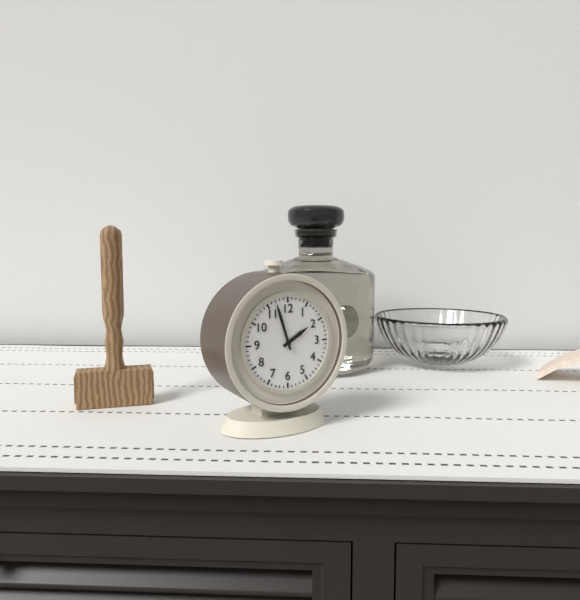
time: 1:57
